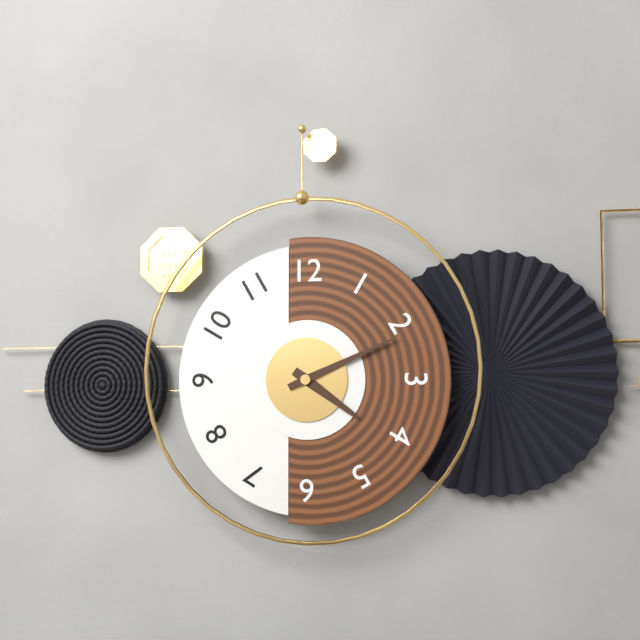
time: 4:11
